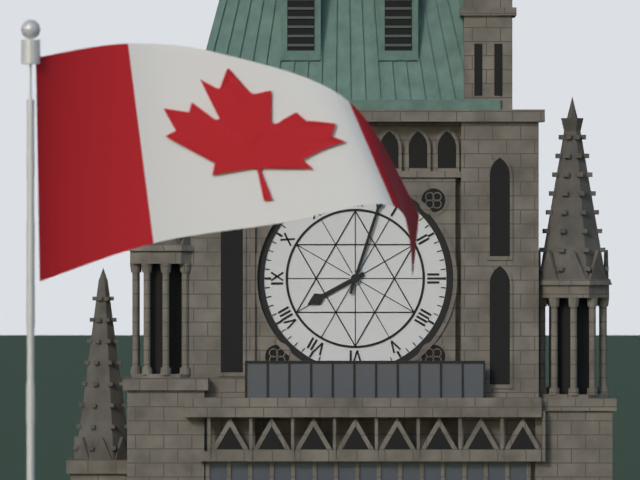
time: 8:03
